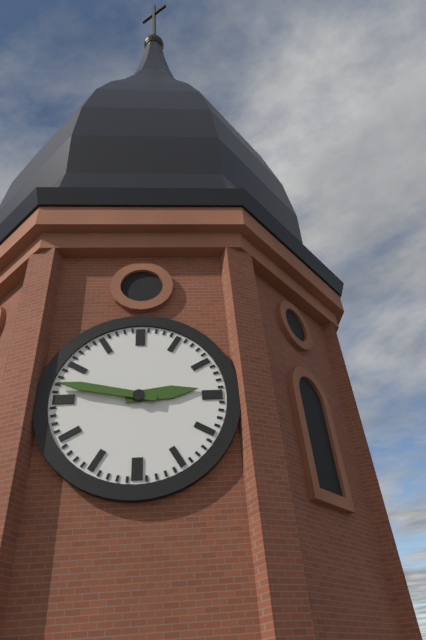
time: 2:47
